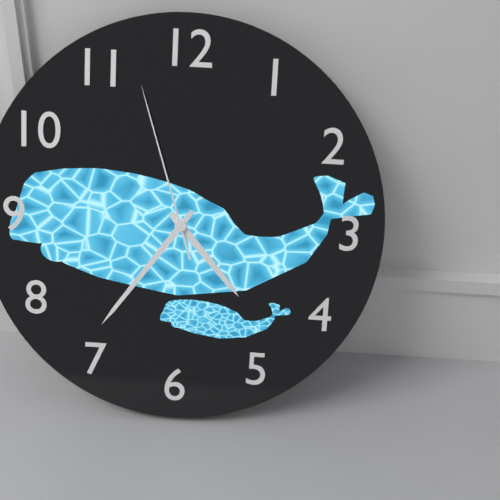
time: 4:36:57
